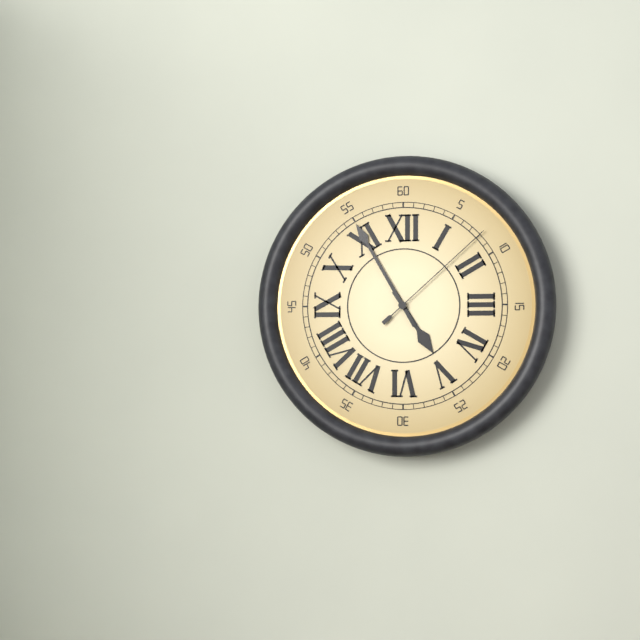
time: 4:55:08
